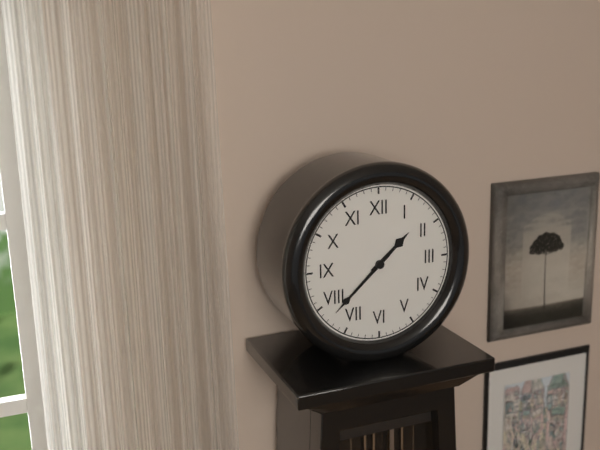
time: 1:38
